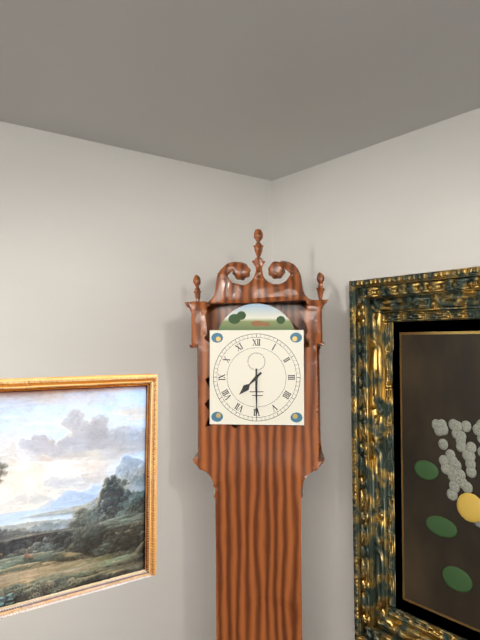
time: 7:30
